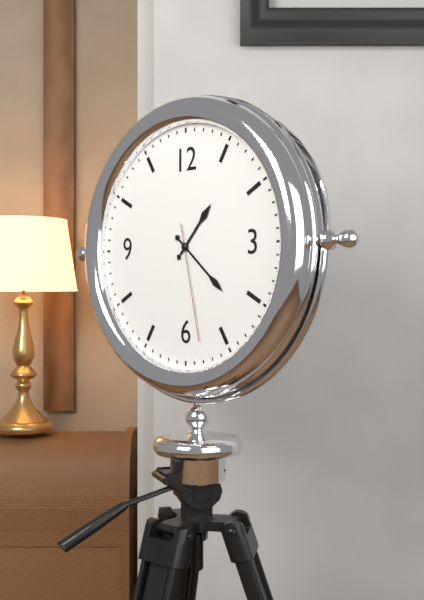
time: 1:22:28
